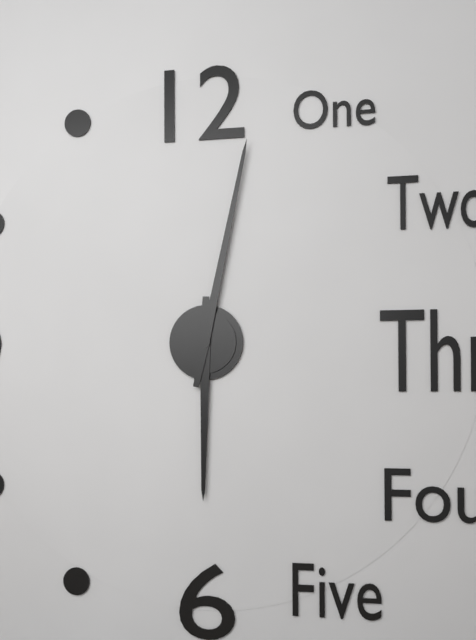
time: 6:02
